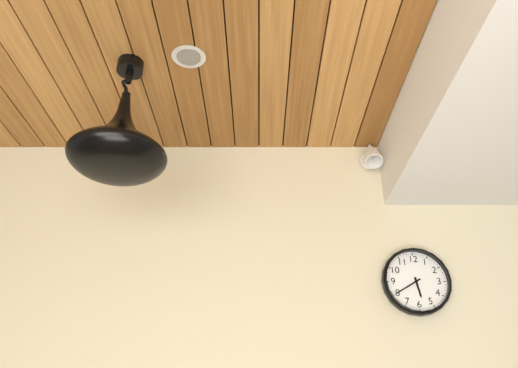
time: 5:40
